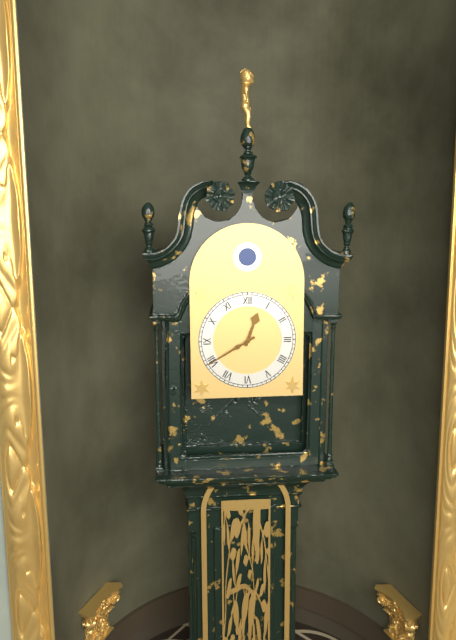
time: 12:40
